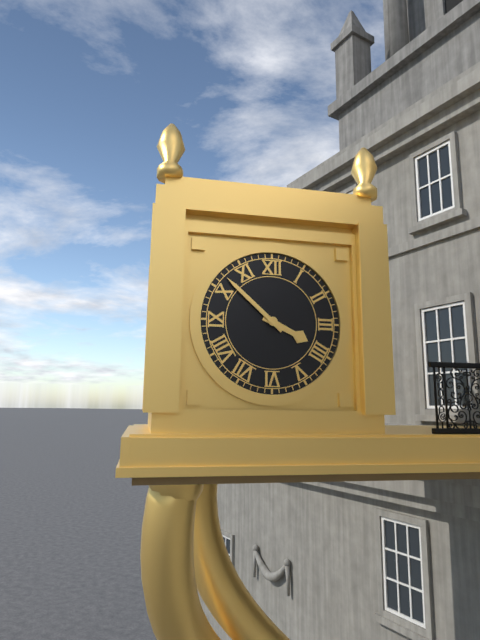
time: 3:52
